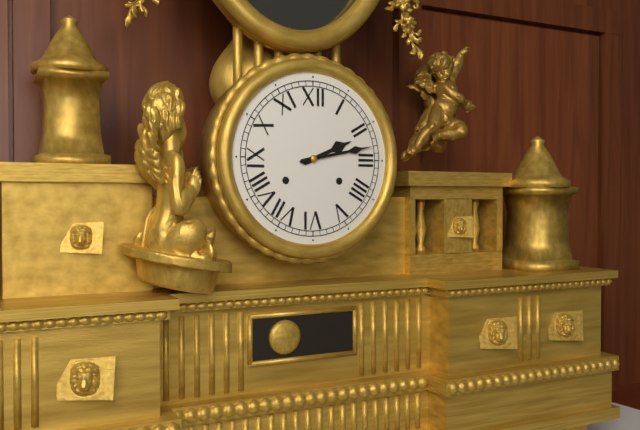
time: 2:13
